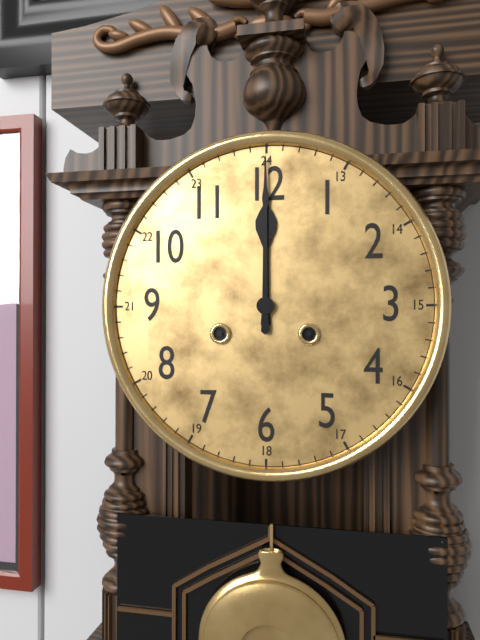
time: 12:00
